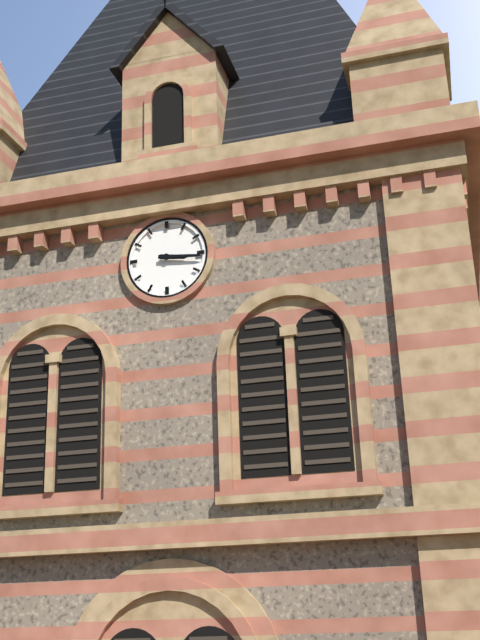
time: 3:16
